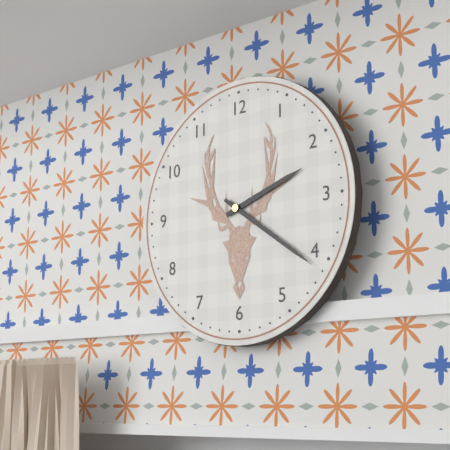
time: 2:21
